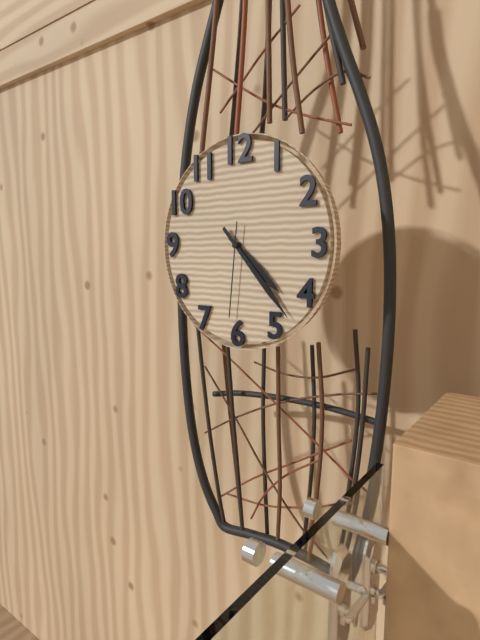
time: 4:23:31
